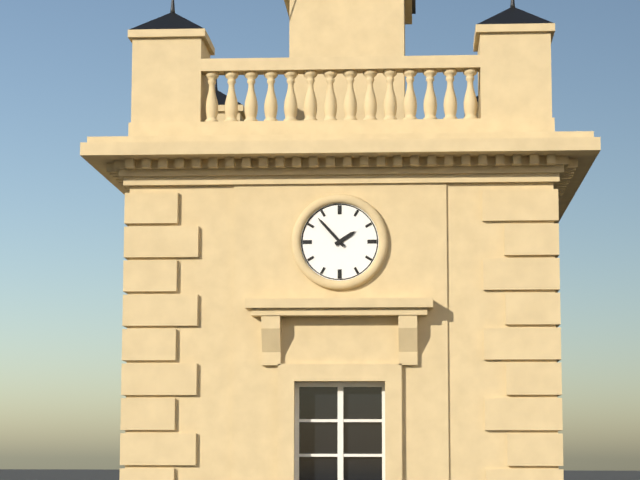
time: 1:53
